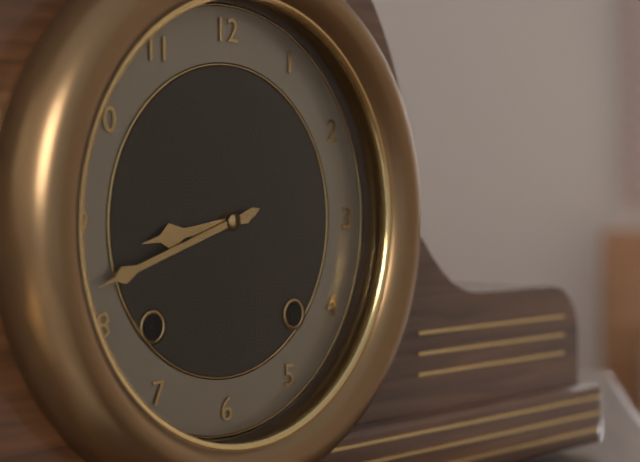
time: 8:42
